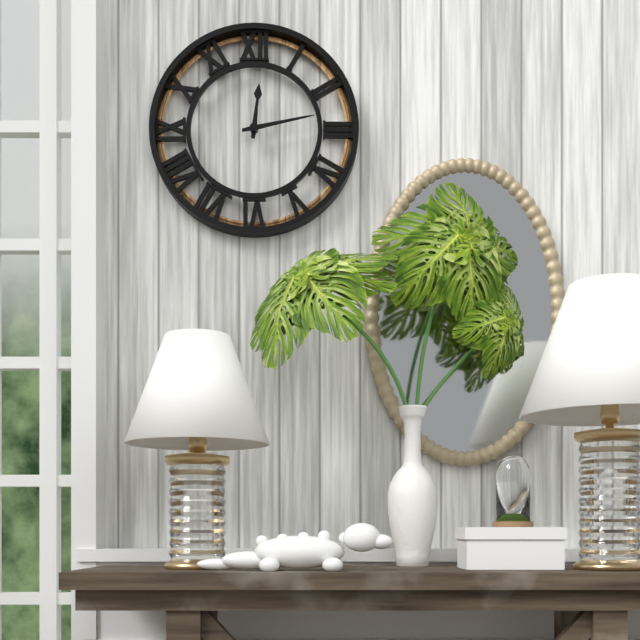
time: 12:13
